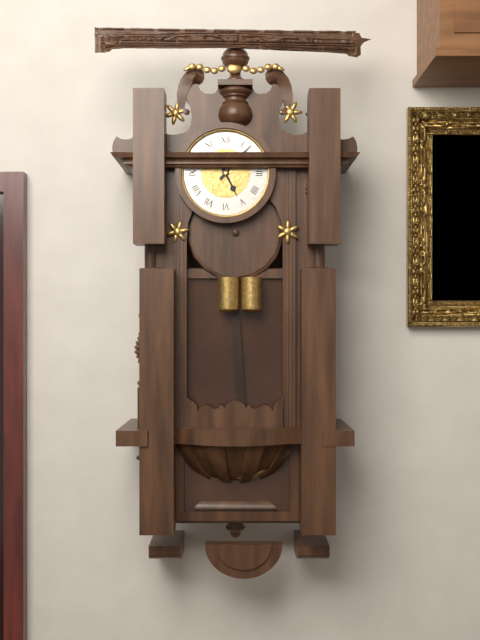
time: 5:07
